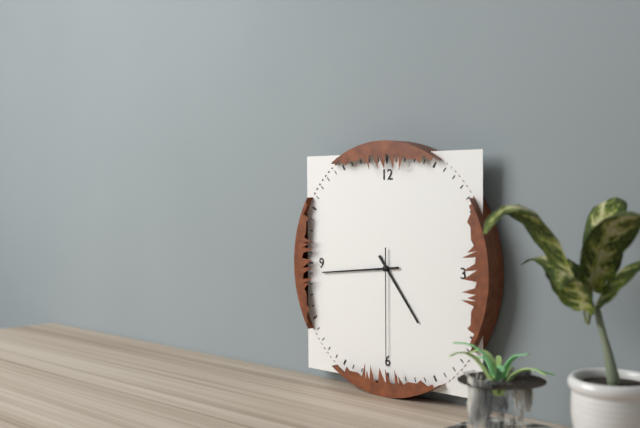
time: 4:44:30
